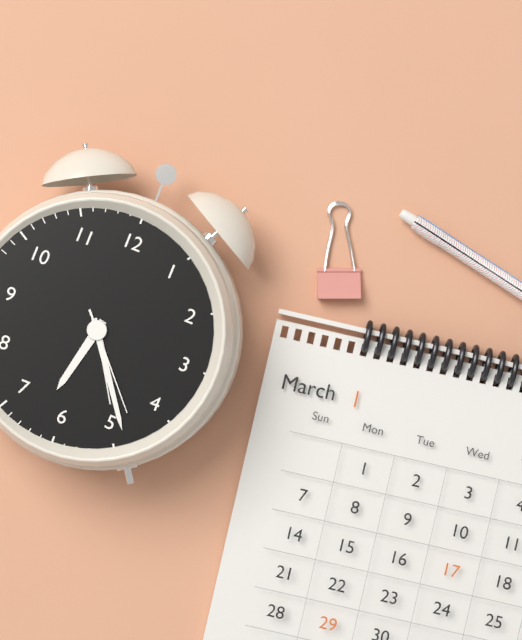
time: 6:24:23
